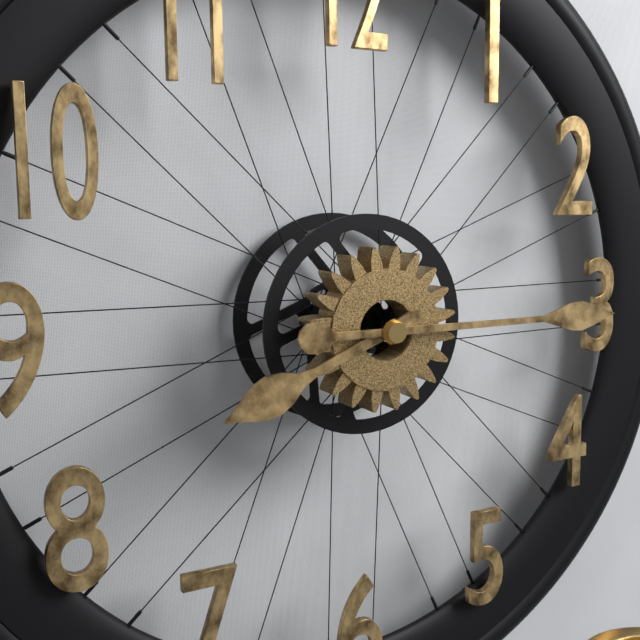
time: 8:15
